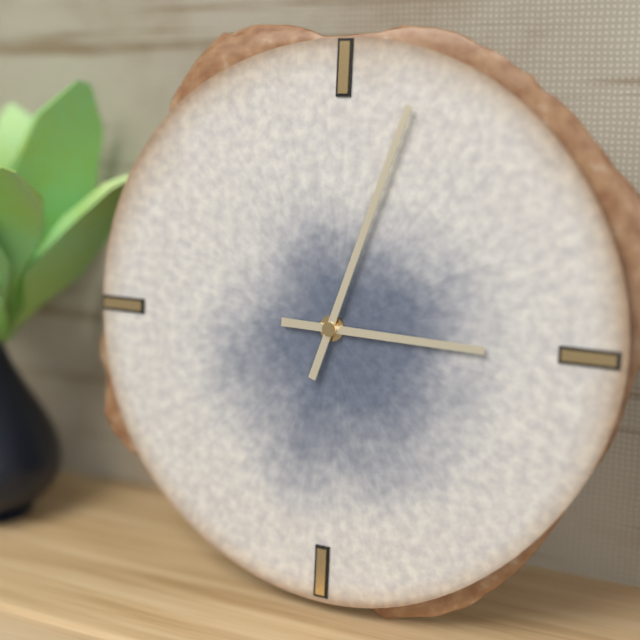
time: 3:03
